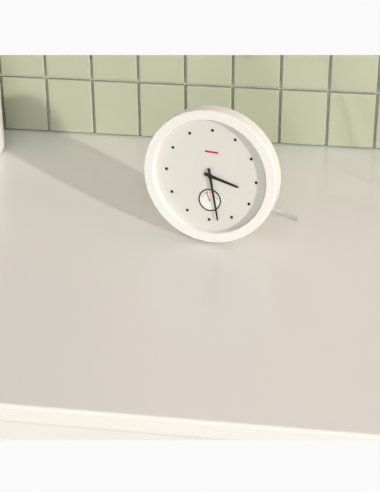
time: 3:28
